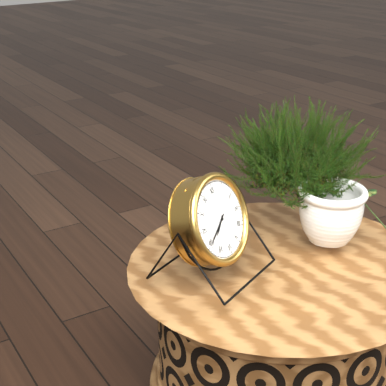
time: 7:40
